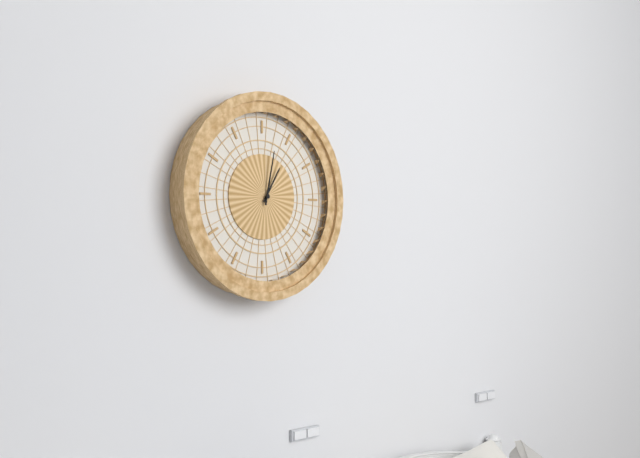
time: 1:02
